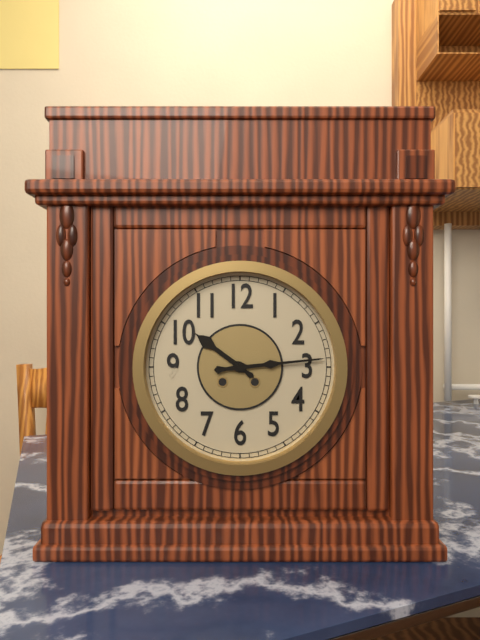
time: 10:14
